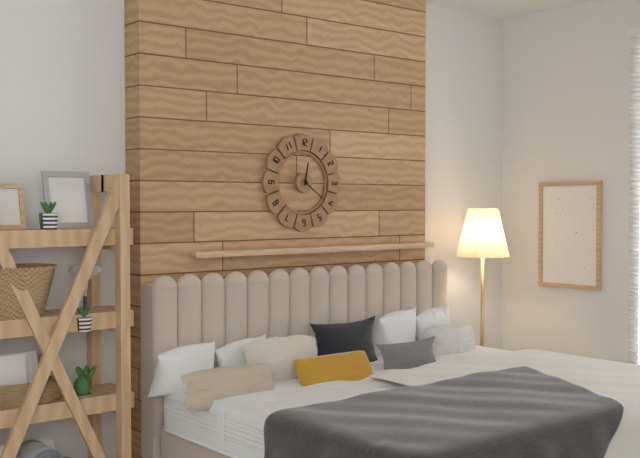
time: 12:21
